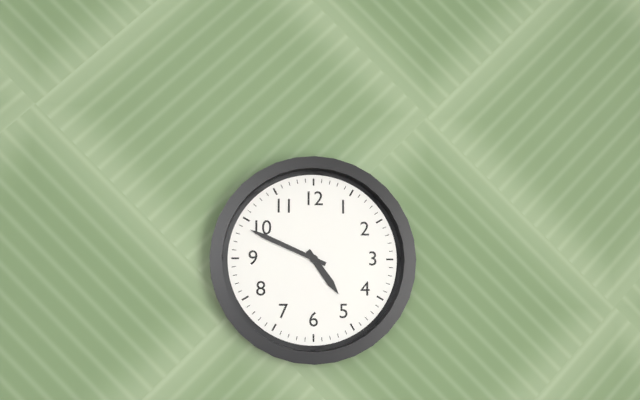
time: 4:49
